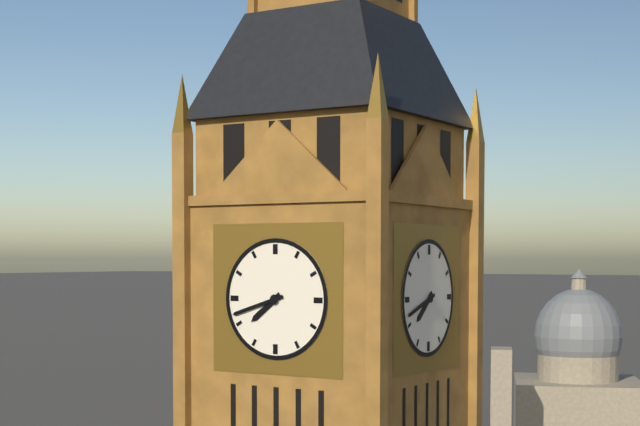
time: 7:42
